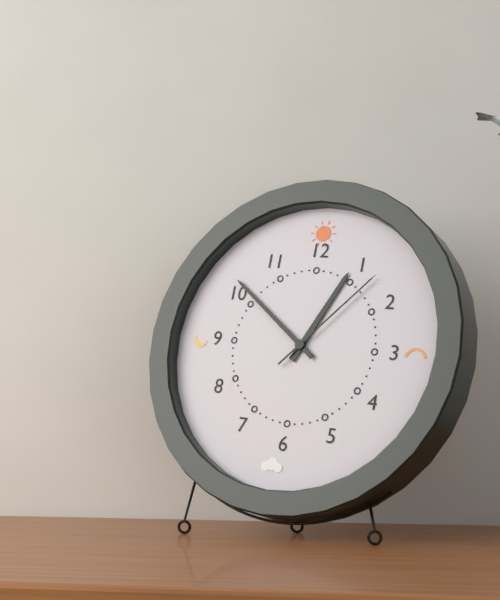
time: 12:51:07
